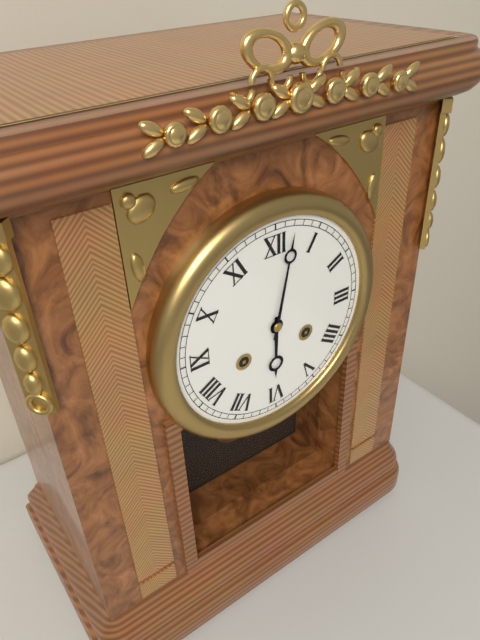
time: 6:02
